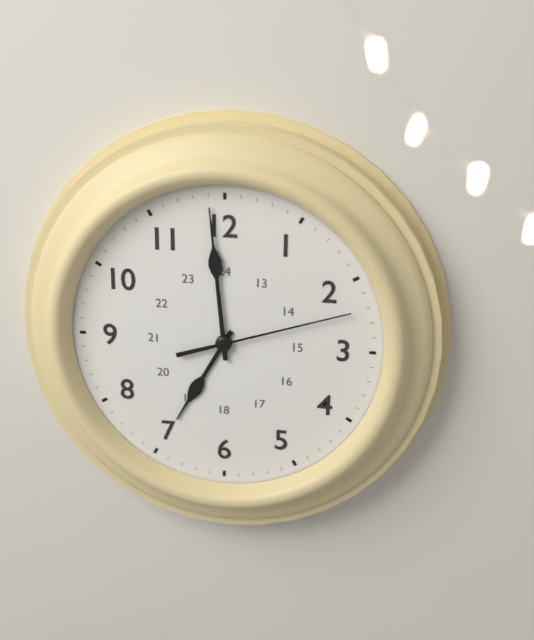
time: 6:59:12
